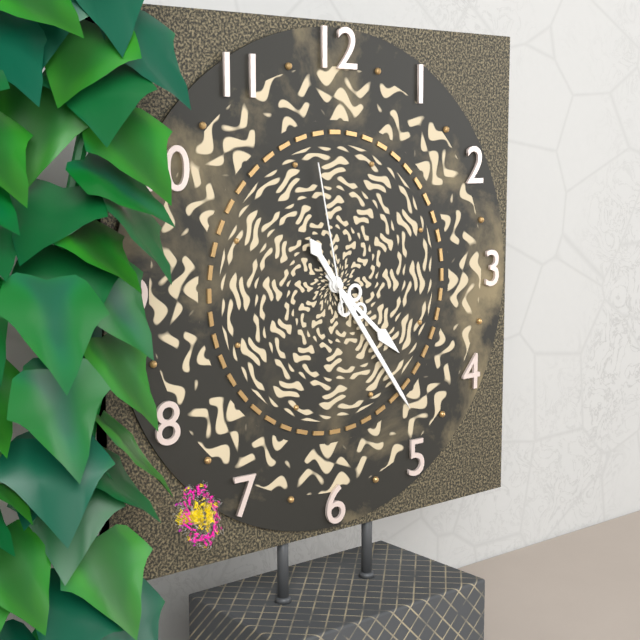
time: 4:24:58
